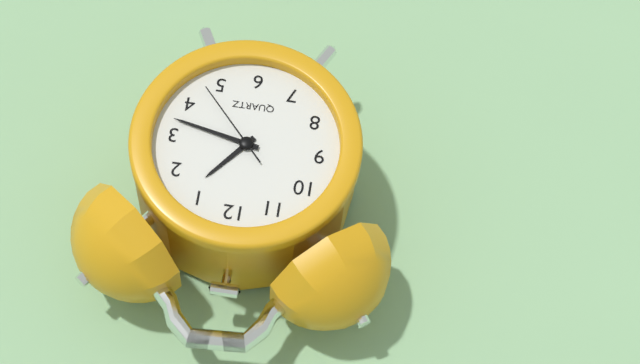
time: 1:17:23
